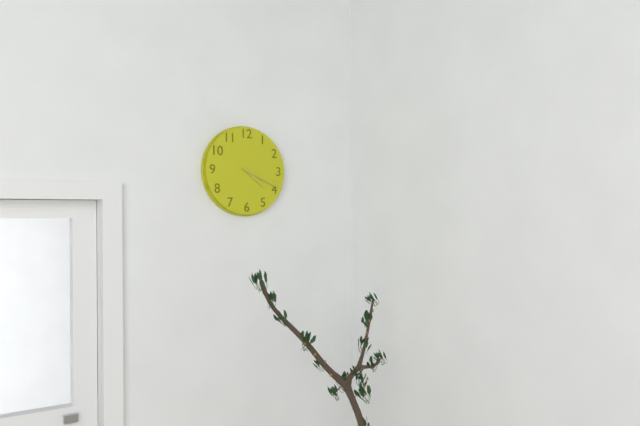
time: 4:19
